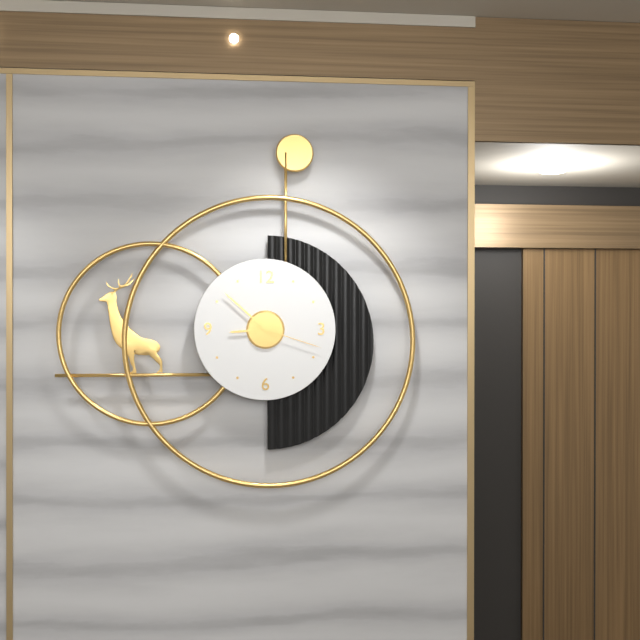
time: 8:52:18
